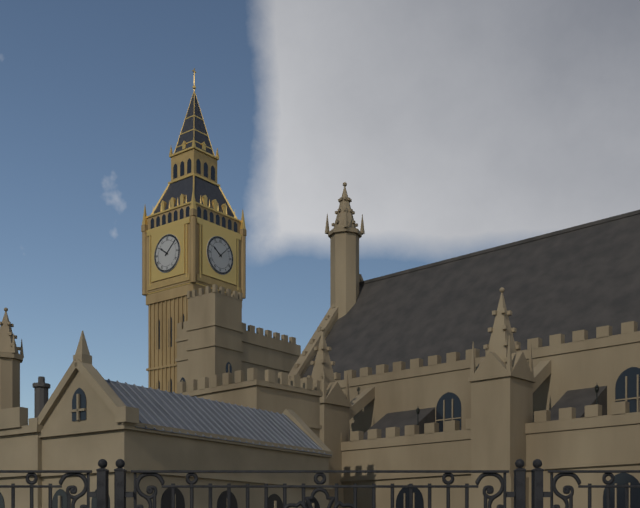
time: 10:08
